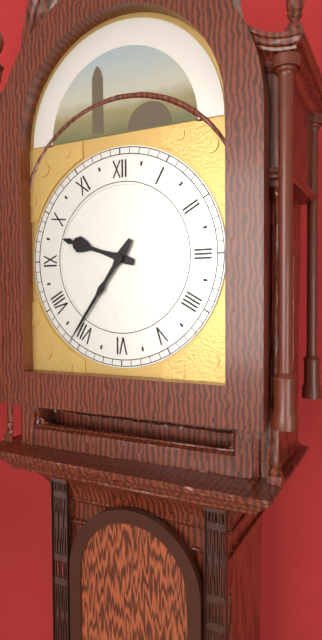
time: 9:36
